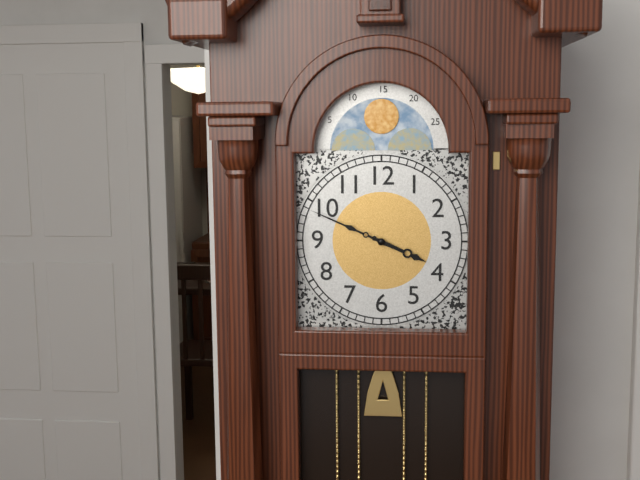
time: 3:49
